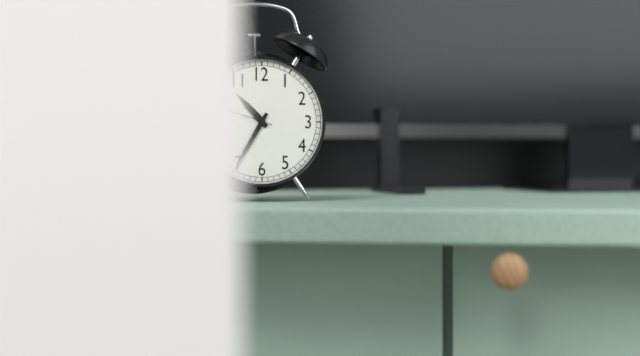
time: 10:35
